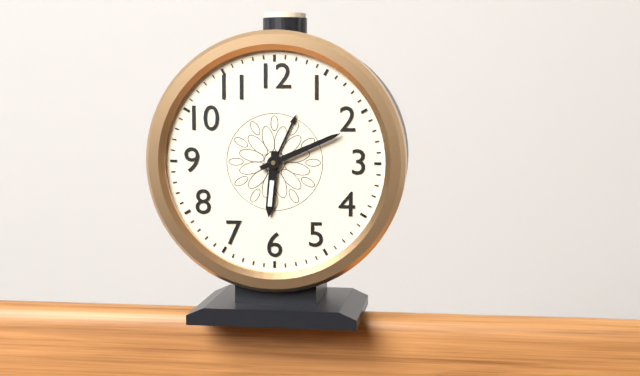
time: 6:11
